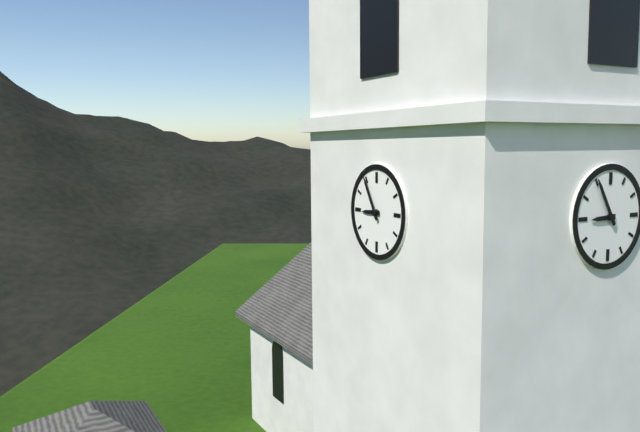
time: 8:55
